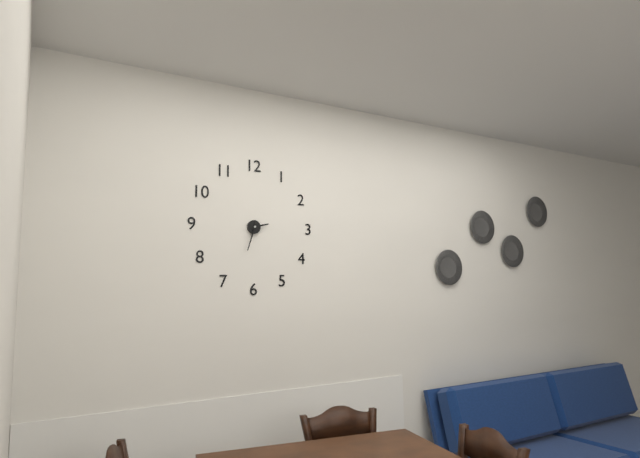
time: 2:33
